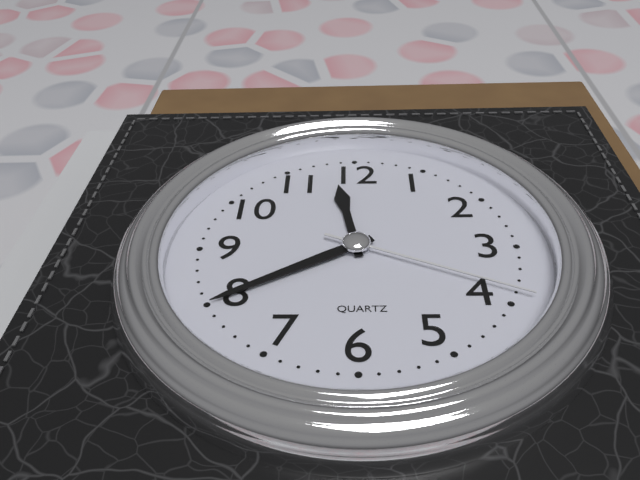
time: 11:40:19
